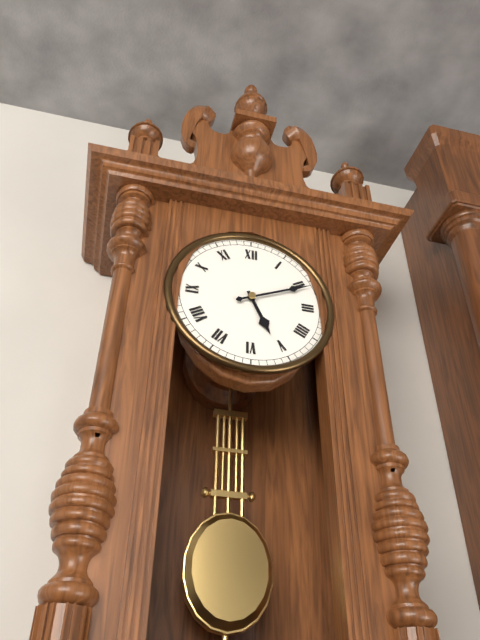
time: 5:11
